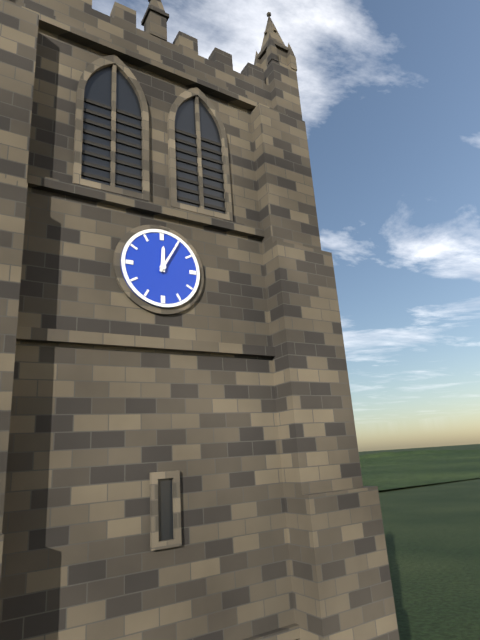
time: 12:05
